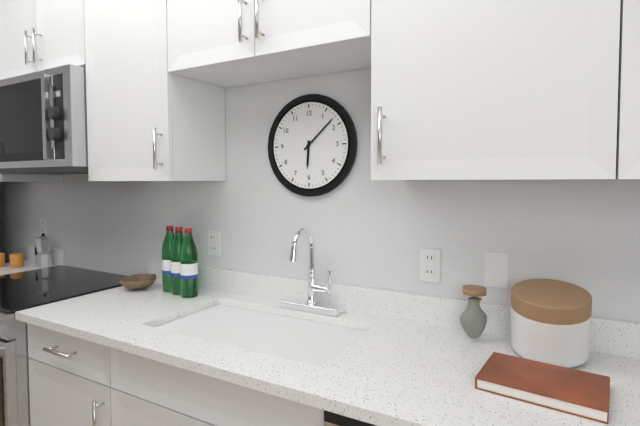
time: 6:08
